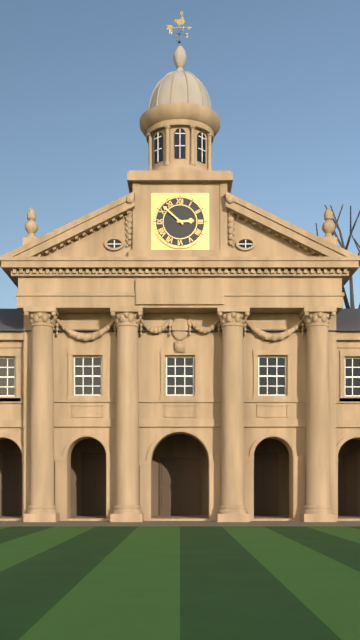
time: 2:52
